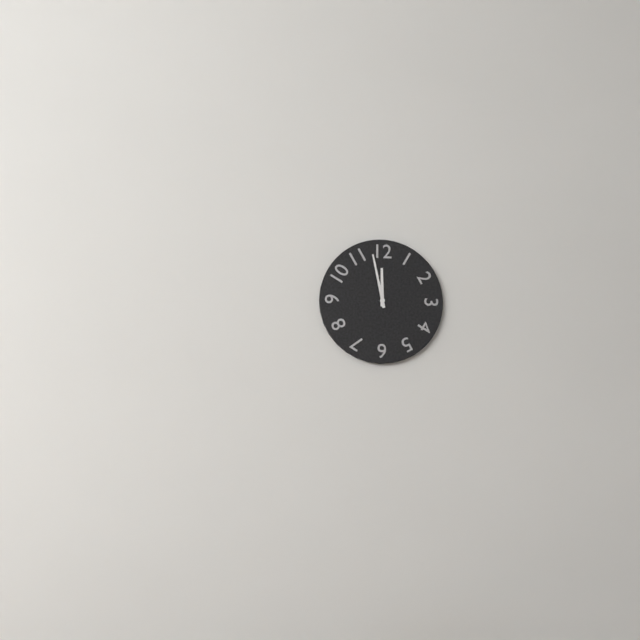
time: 11:58
